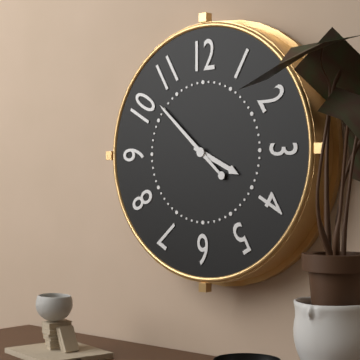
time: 3:52
